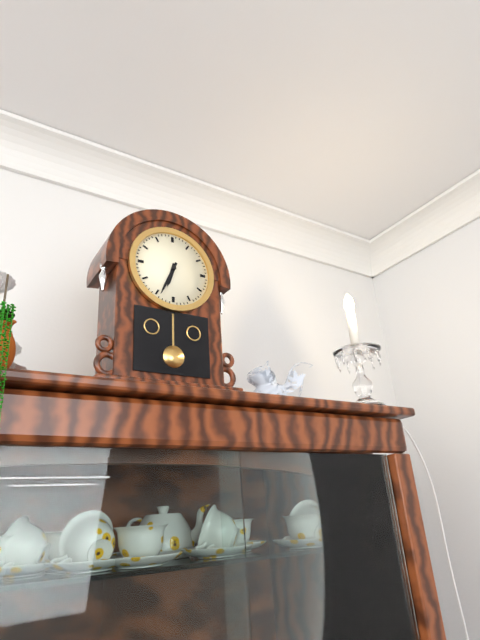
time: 6:34
